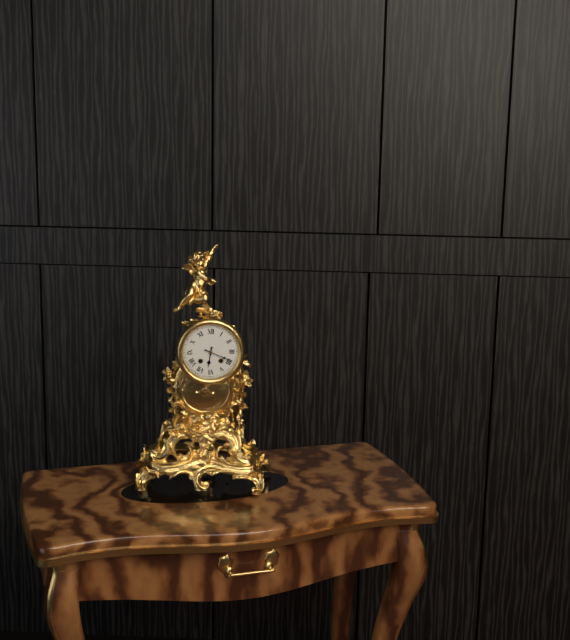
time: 6:19
